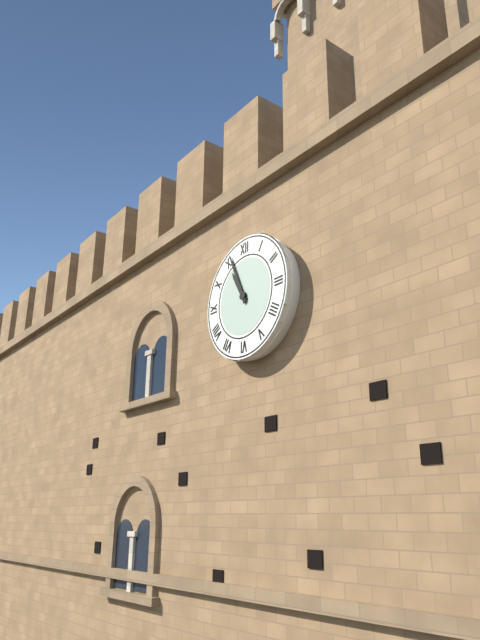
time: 10:56
